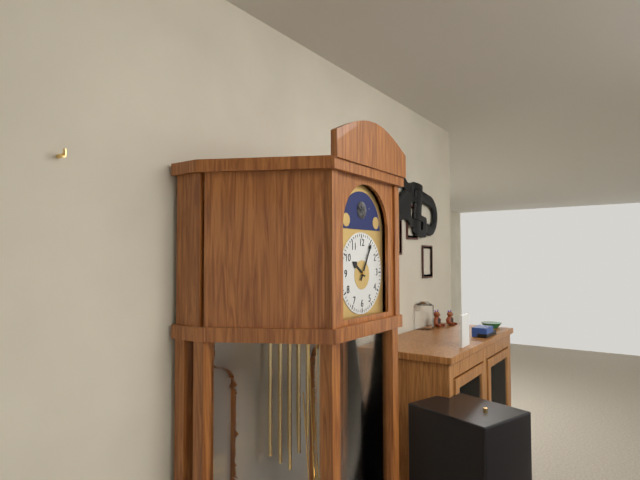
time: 10:05
